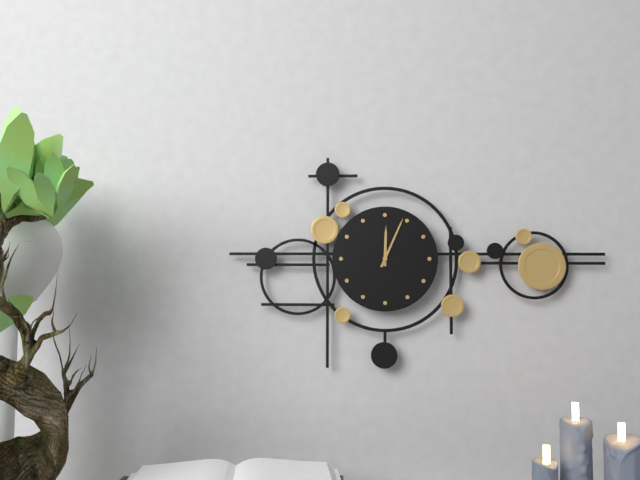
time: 12:04
